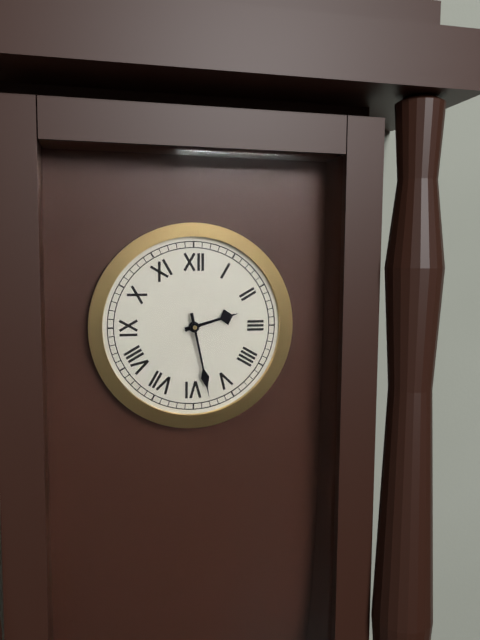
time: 2:28
